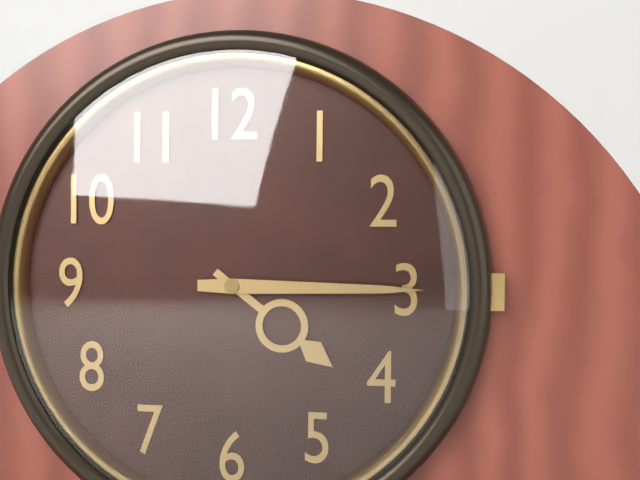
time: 4:15
